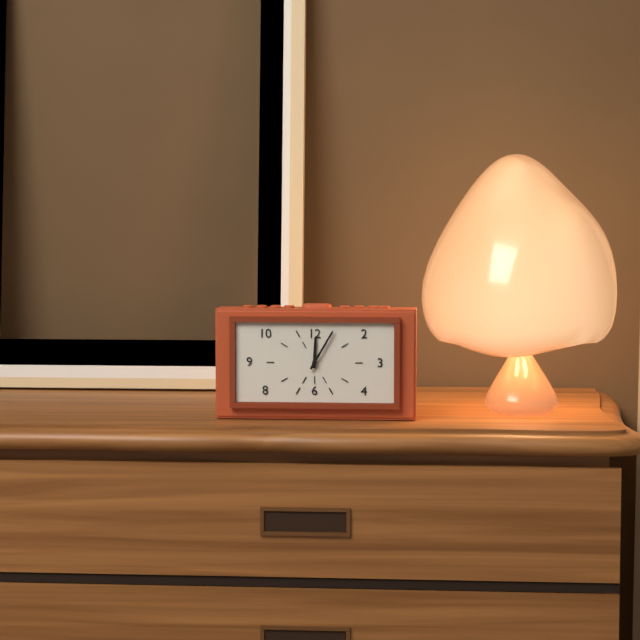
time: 12:05
